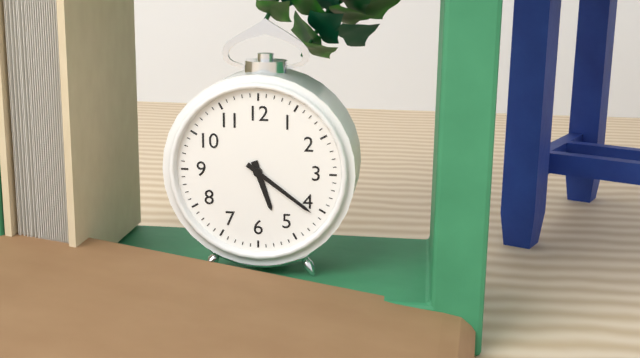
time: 5:21
